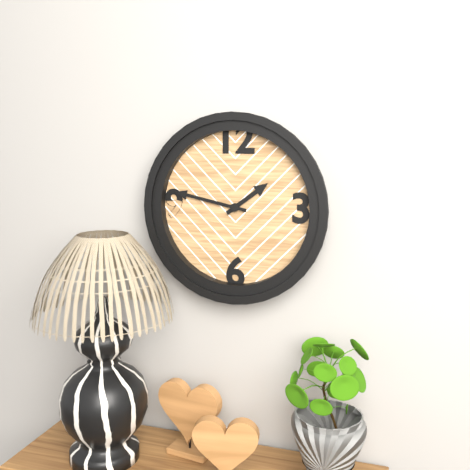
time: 1:47
